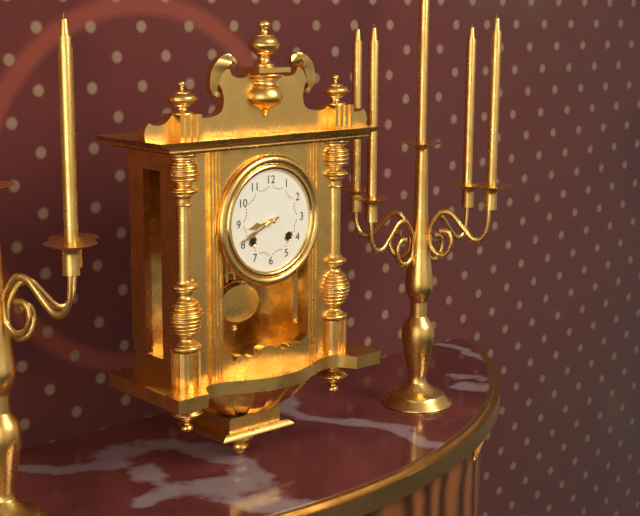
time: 8:41
